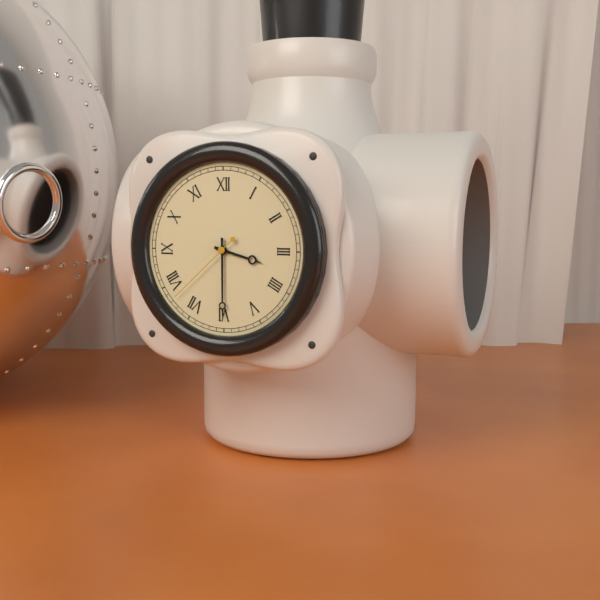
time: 3:30:38
